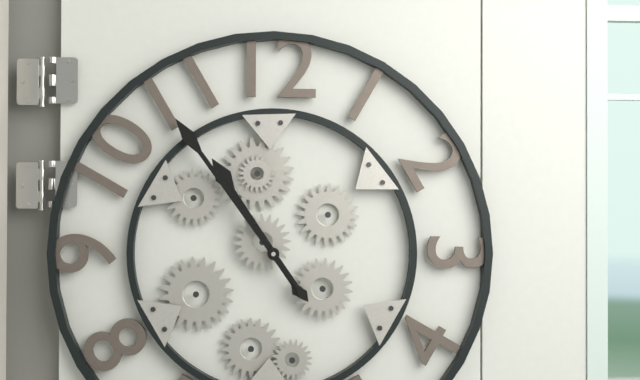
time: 10:54
